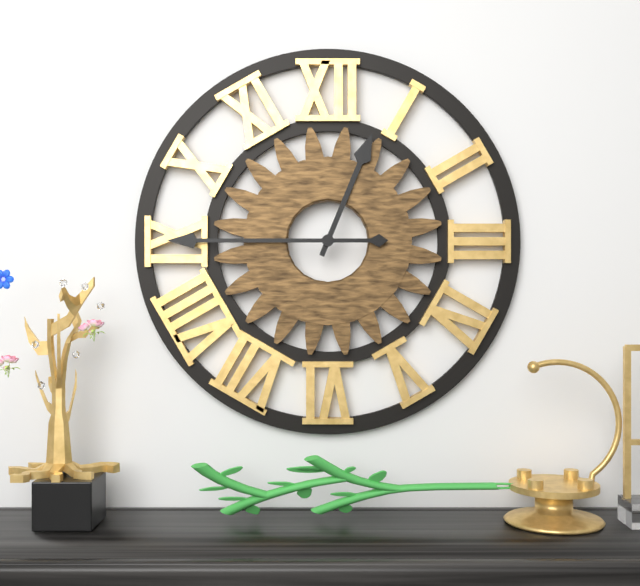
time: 12:45
